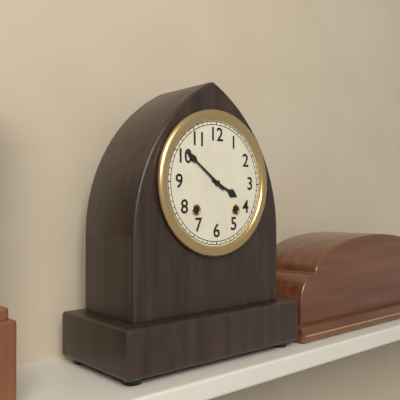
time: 3:51
